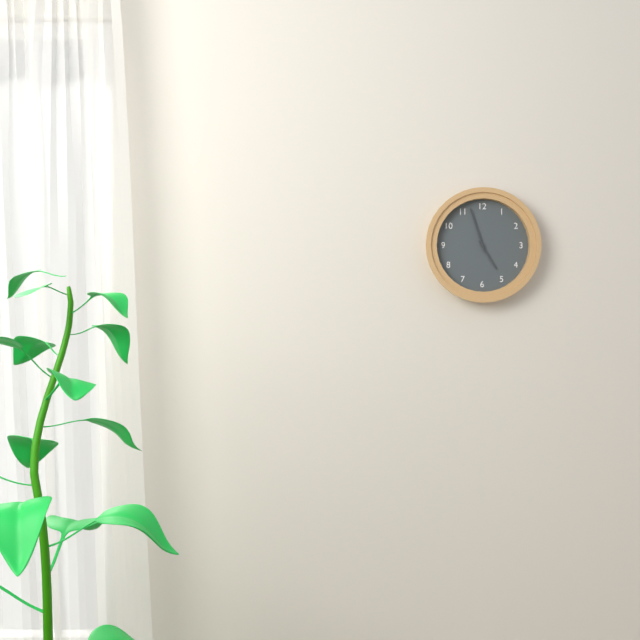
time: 4:57
